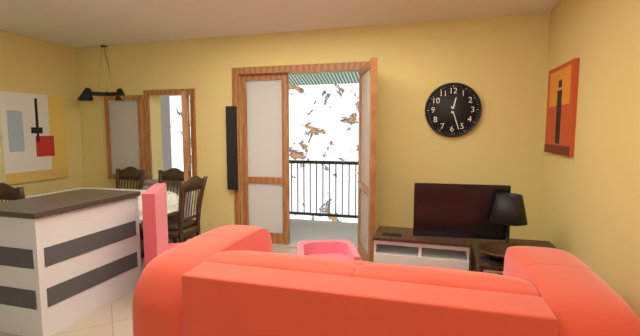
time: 12:27
